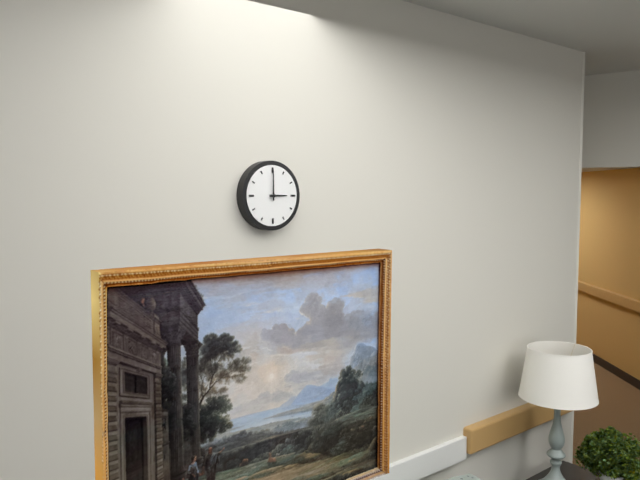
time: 3:00
